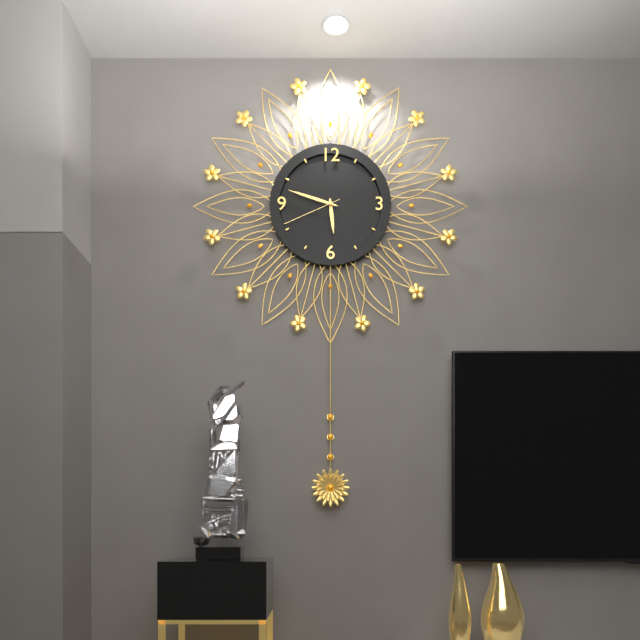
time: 5:48:41
